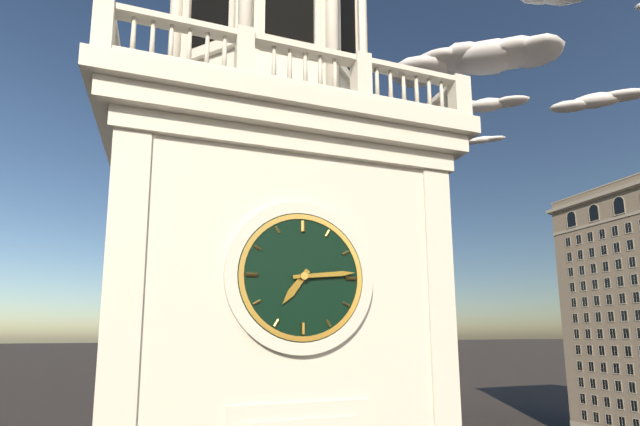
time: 7:14
